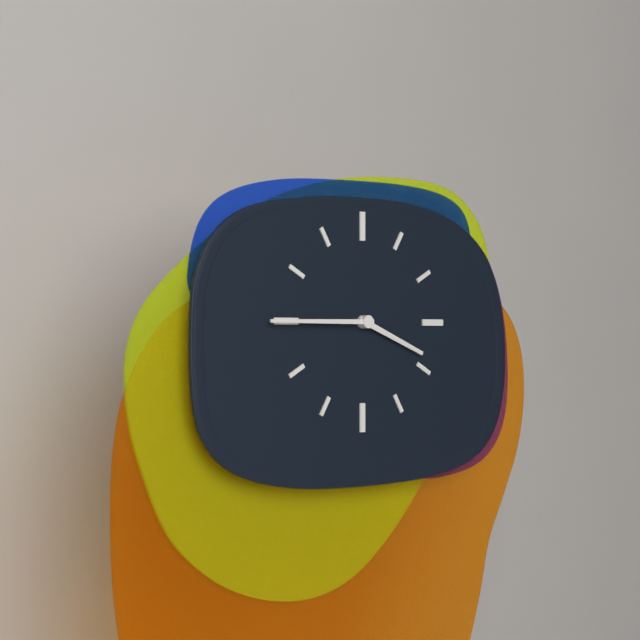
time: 3:45
